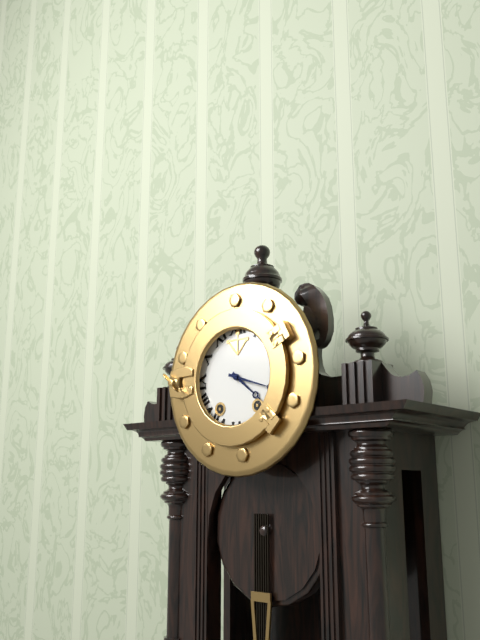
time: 4:18
